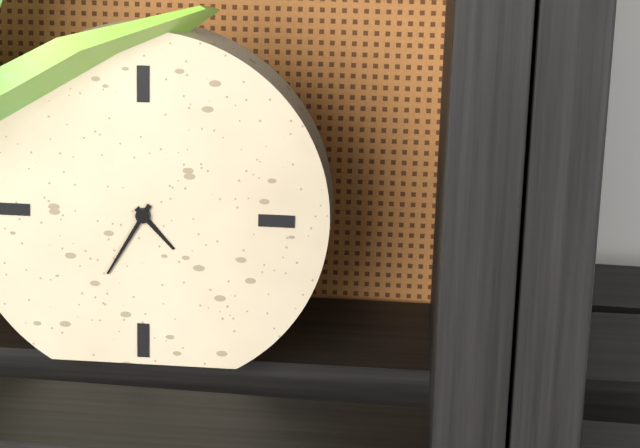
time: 4:35
